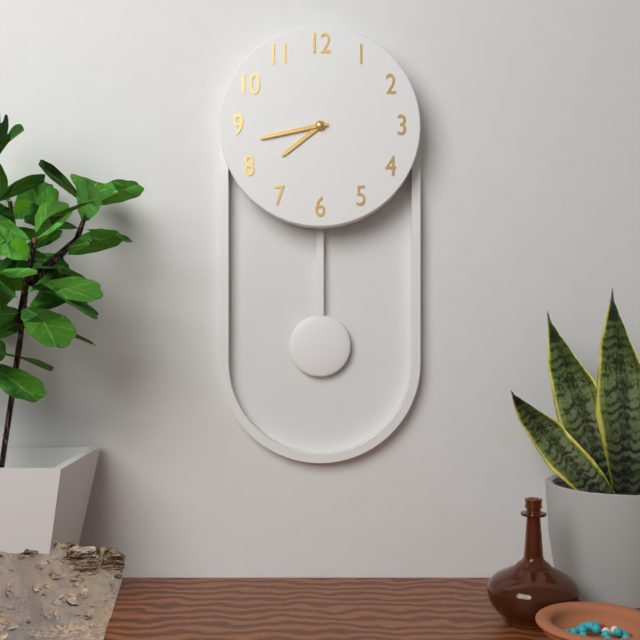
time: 7:43
